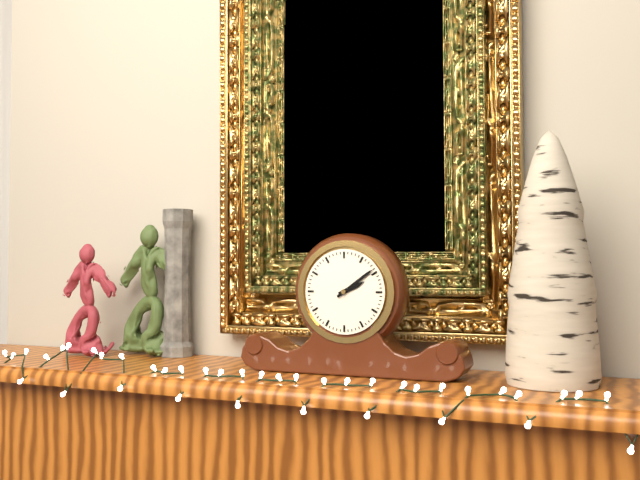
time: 2:09
